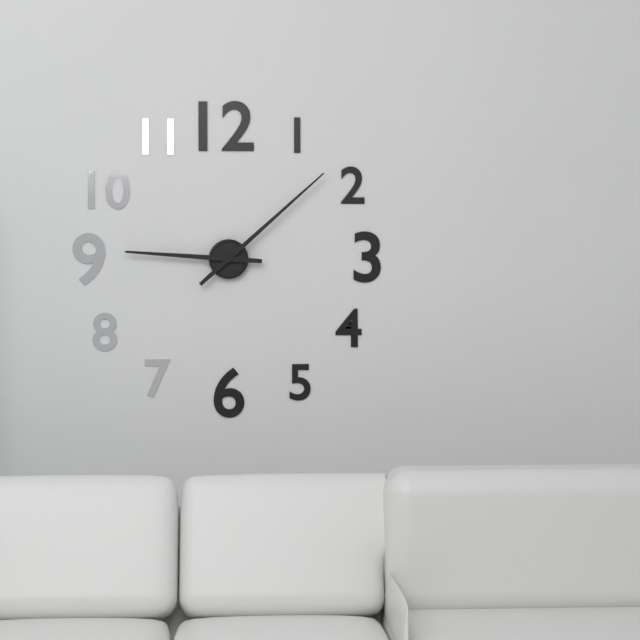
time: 9:08
